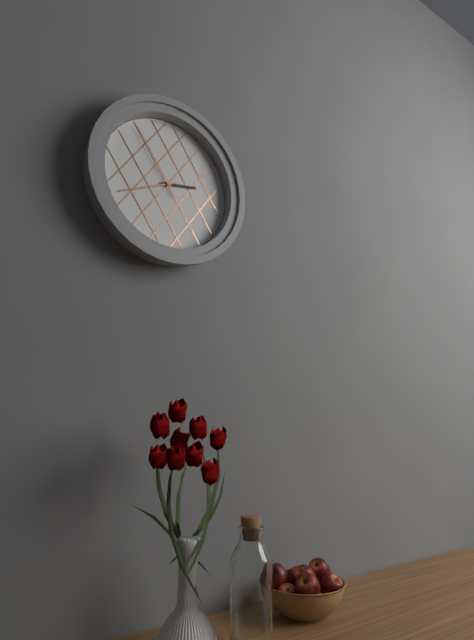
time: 2:41:54
